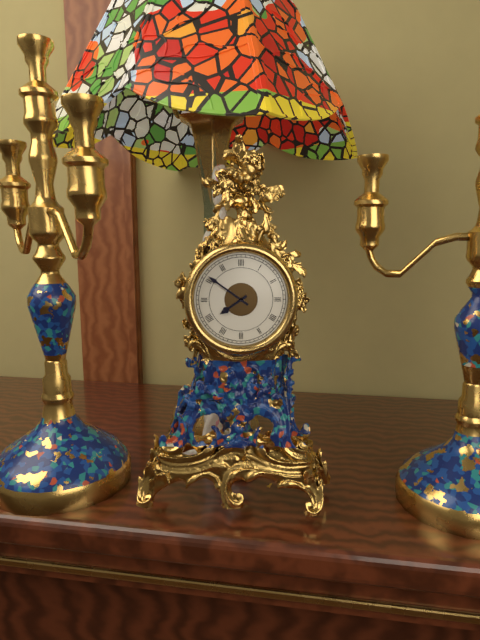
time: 7:51
